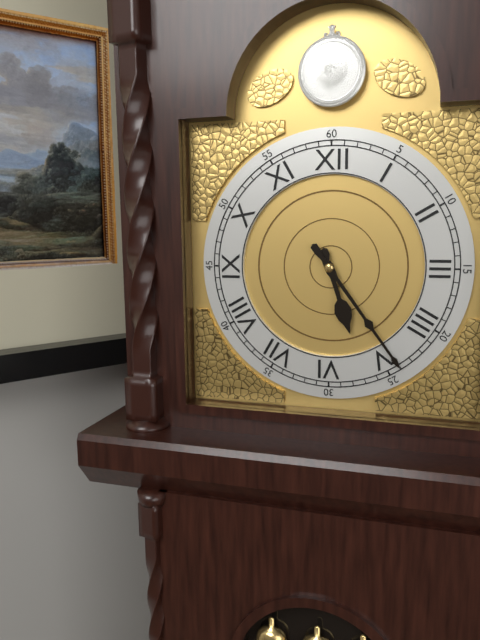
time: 5:24
